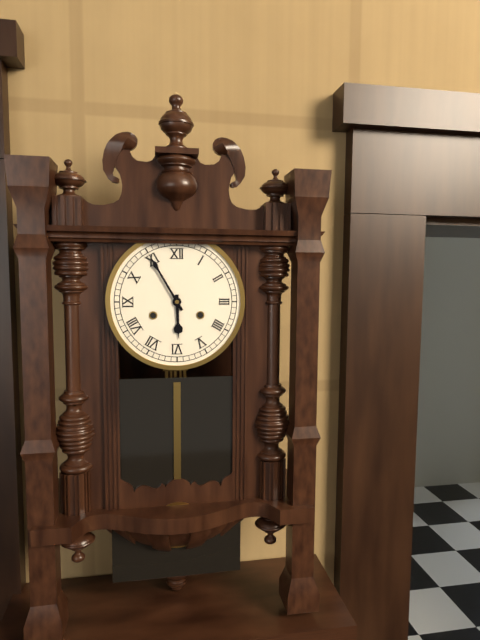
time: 5:55
